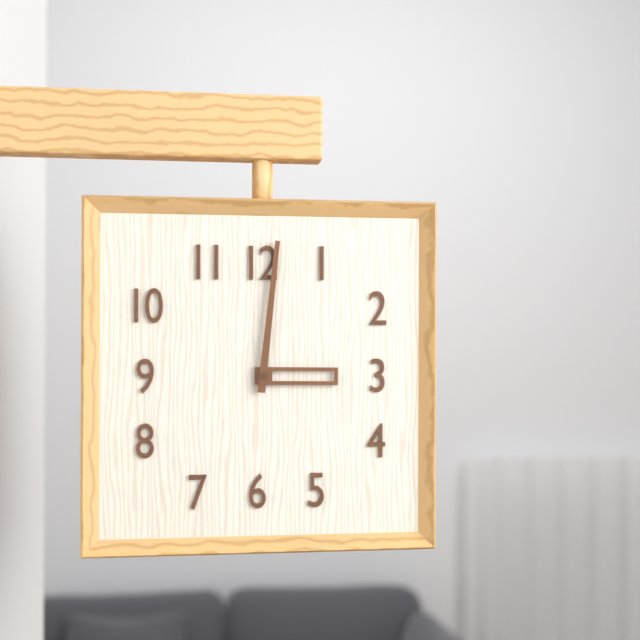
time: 3:01
